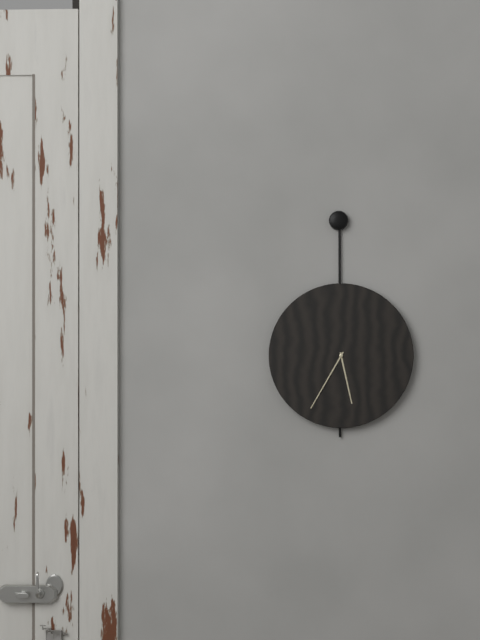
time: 5:35
